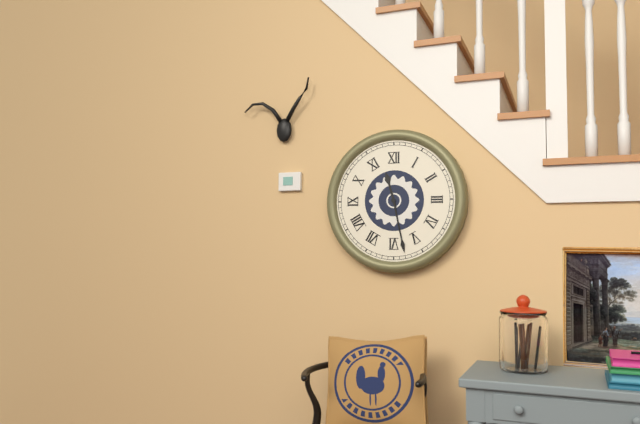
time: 11:28
